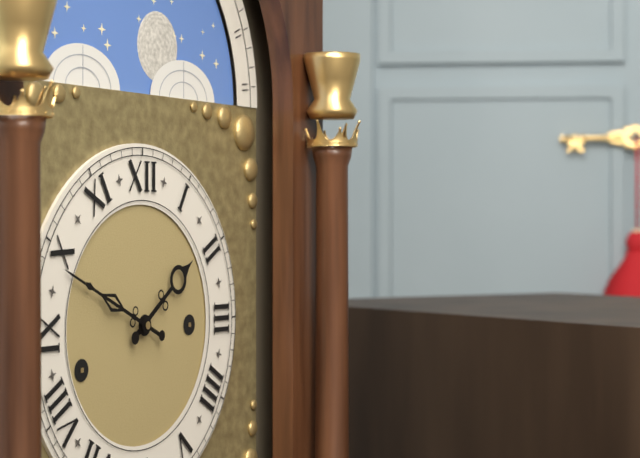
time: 1:49
